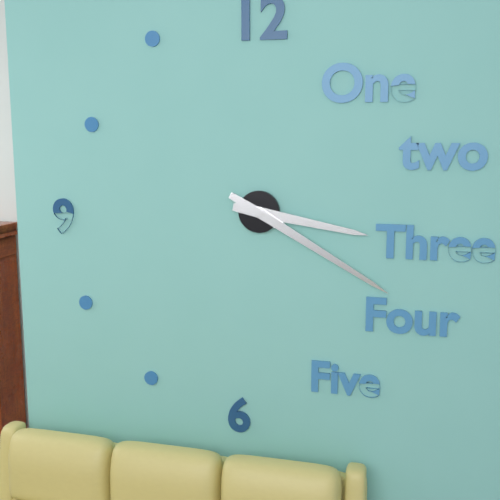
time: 3:20
